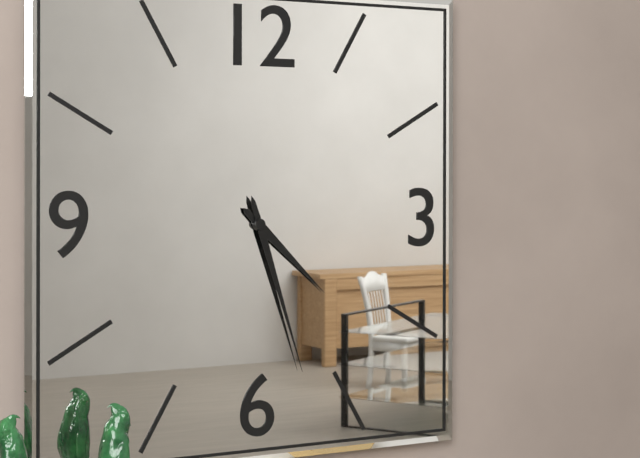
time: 4:27
